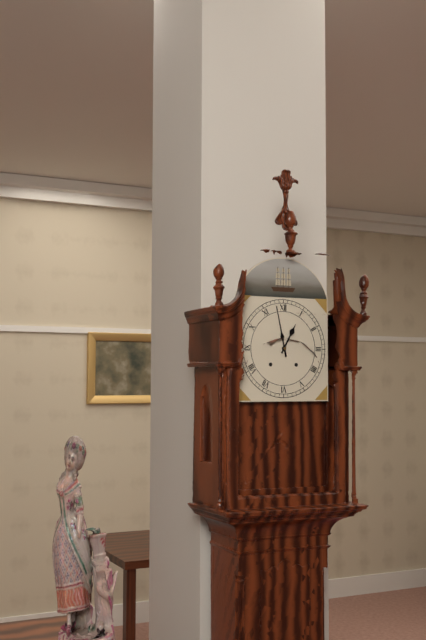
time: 12:58
